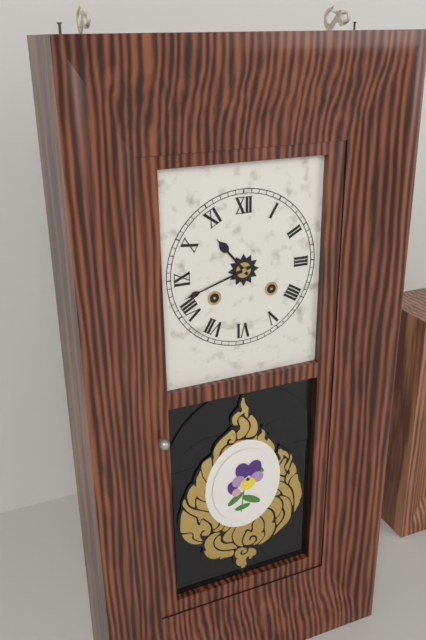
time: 10:42
